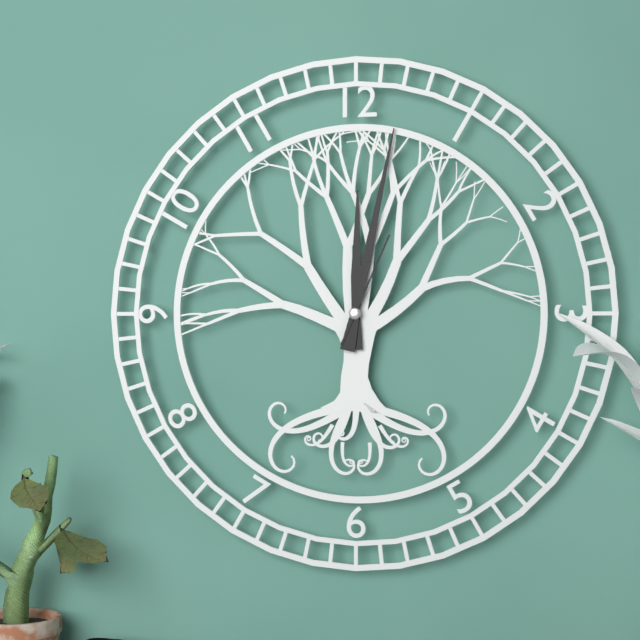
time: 12:02:04
